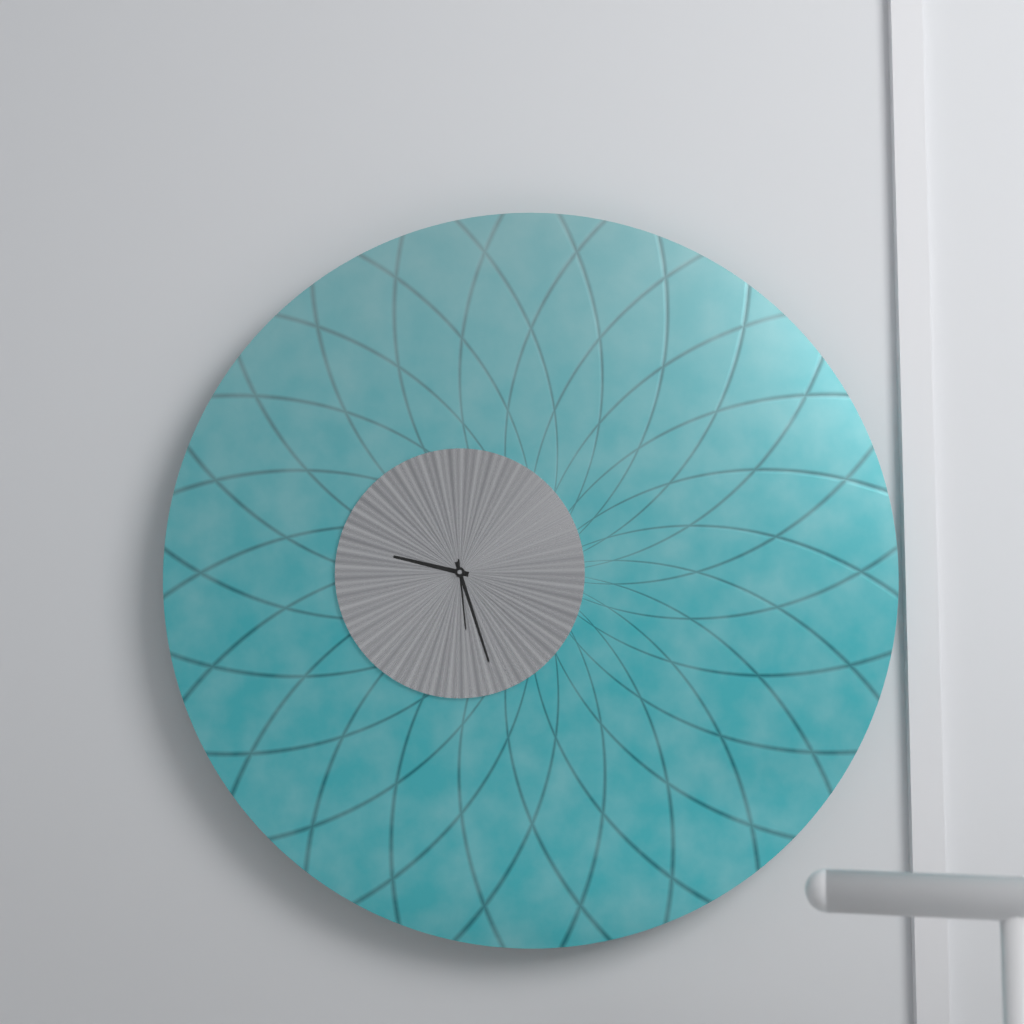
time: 9:27:29
